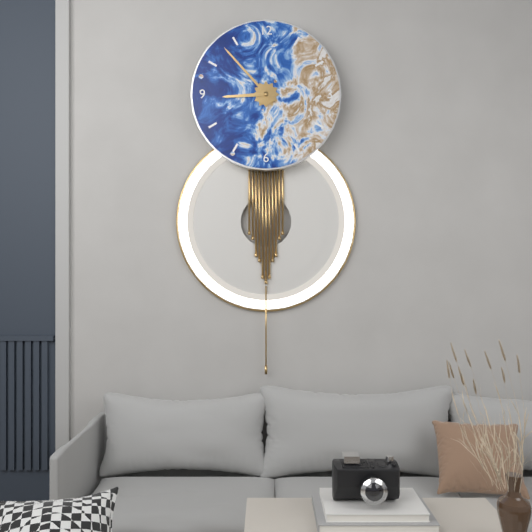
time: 8:53
